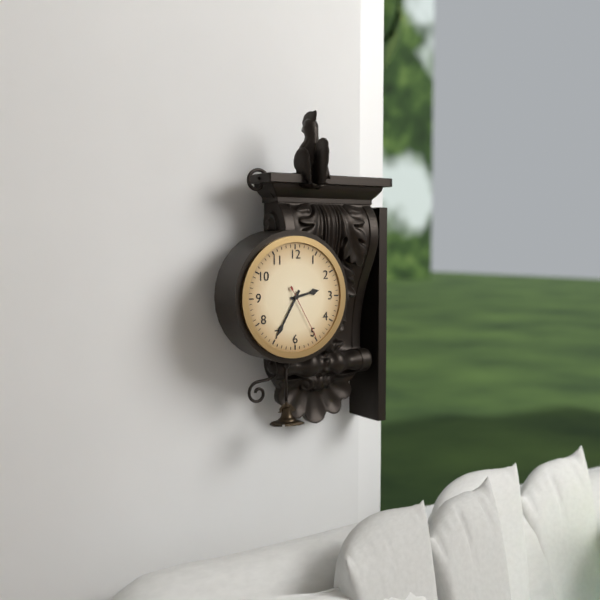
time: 2:35:25
